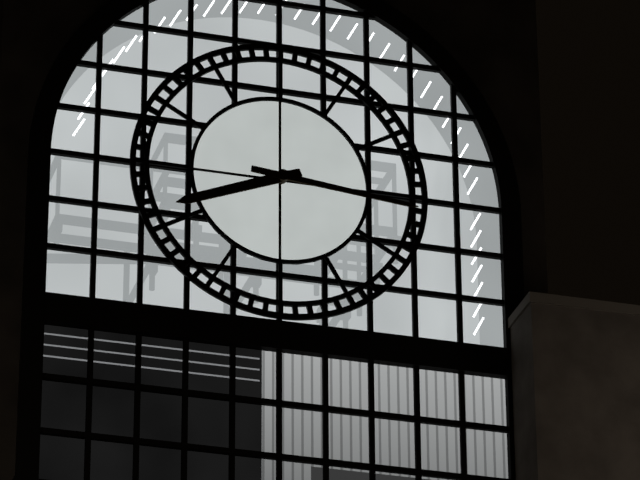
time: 8:16
